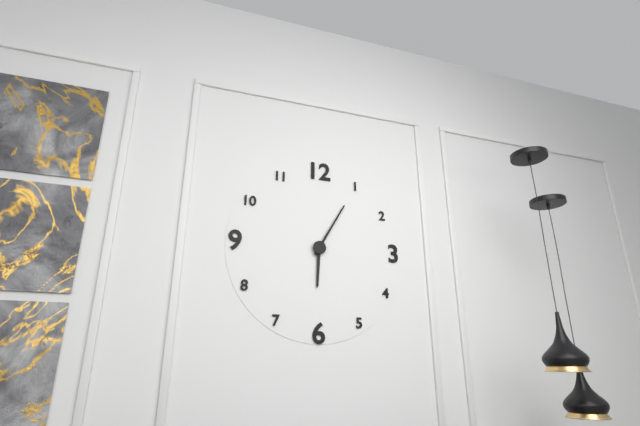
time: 6:05
